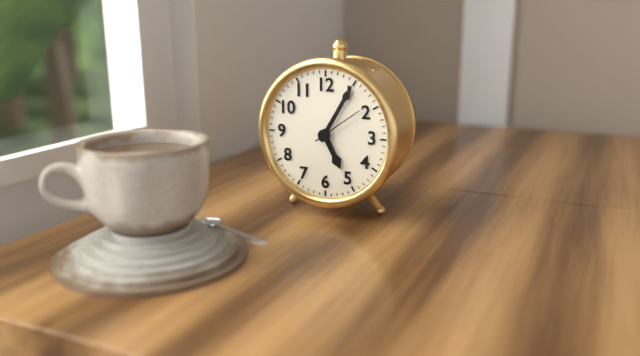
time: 5:05:09
